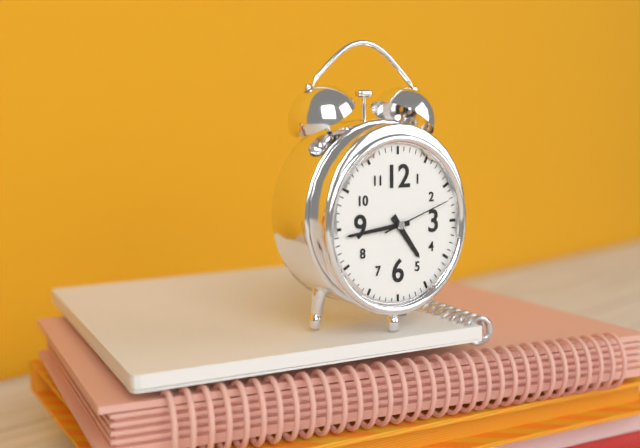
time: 4:44:12
